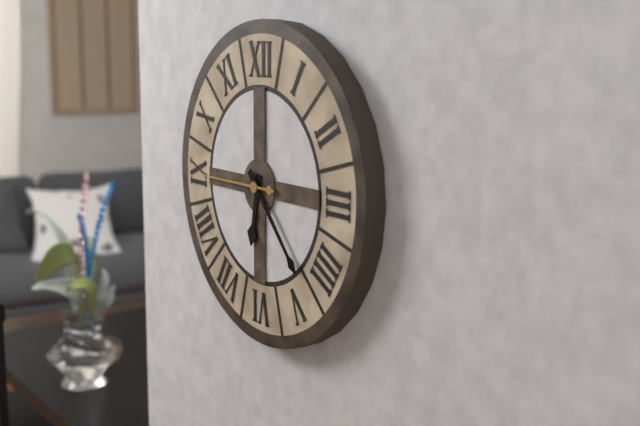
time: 6:23:45
